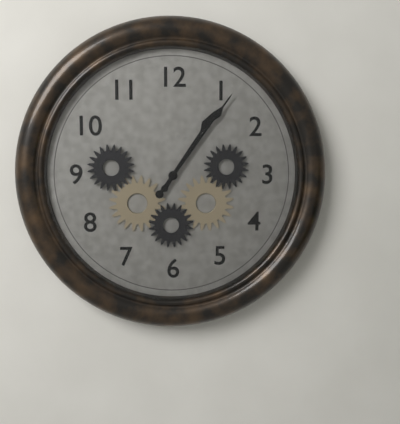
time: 1:06
